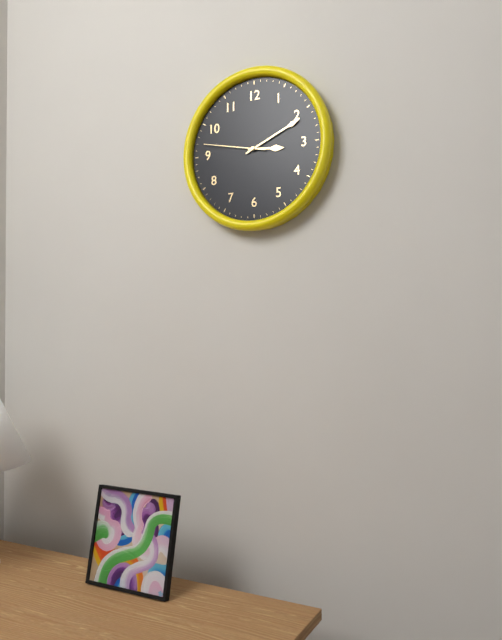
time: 3:11:47
